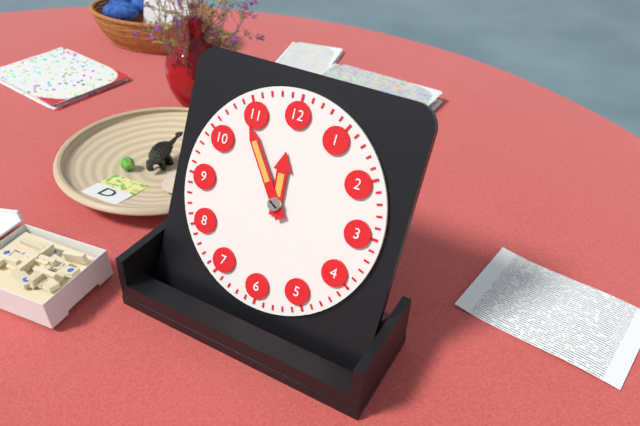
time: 11:54
